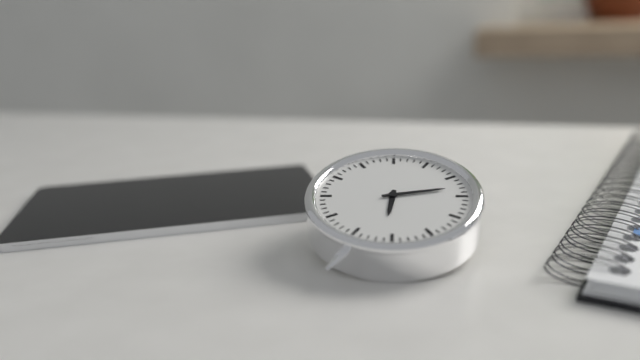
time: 6:13
